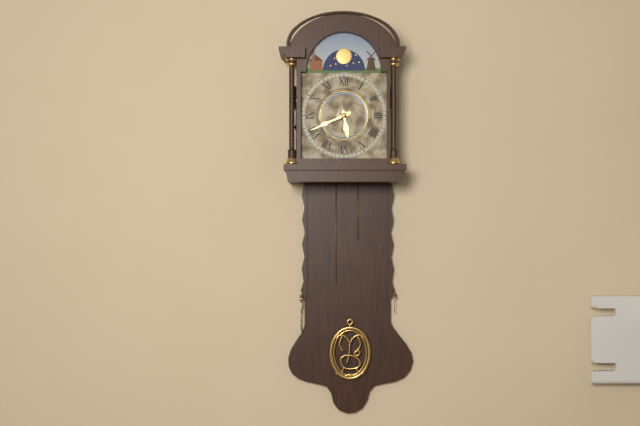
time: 5:41
